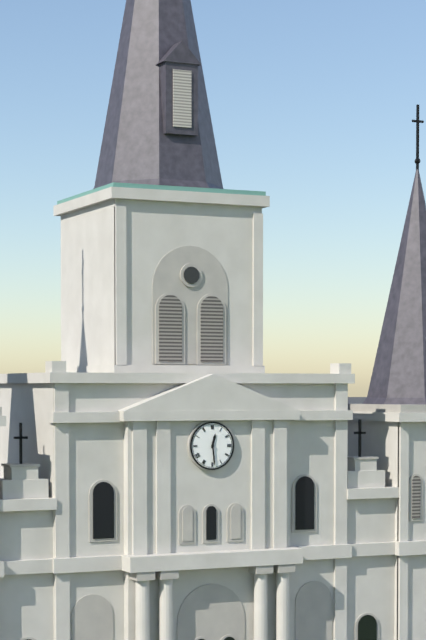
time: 12:29
